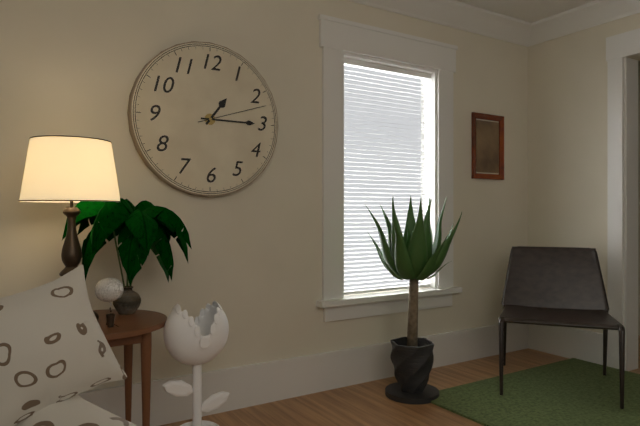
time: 1:15:12
